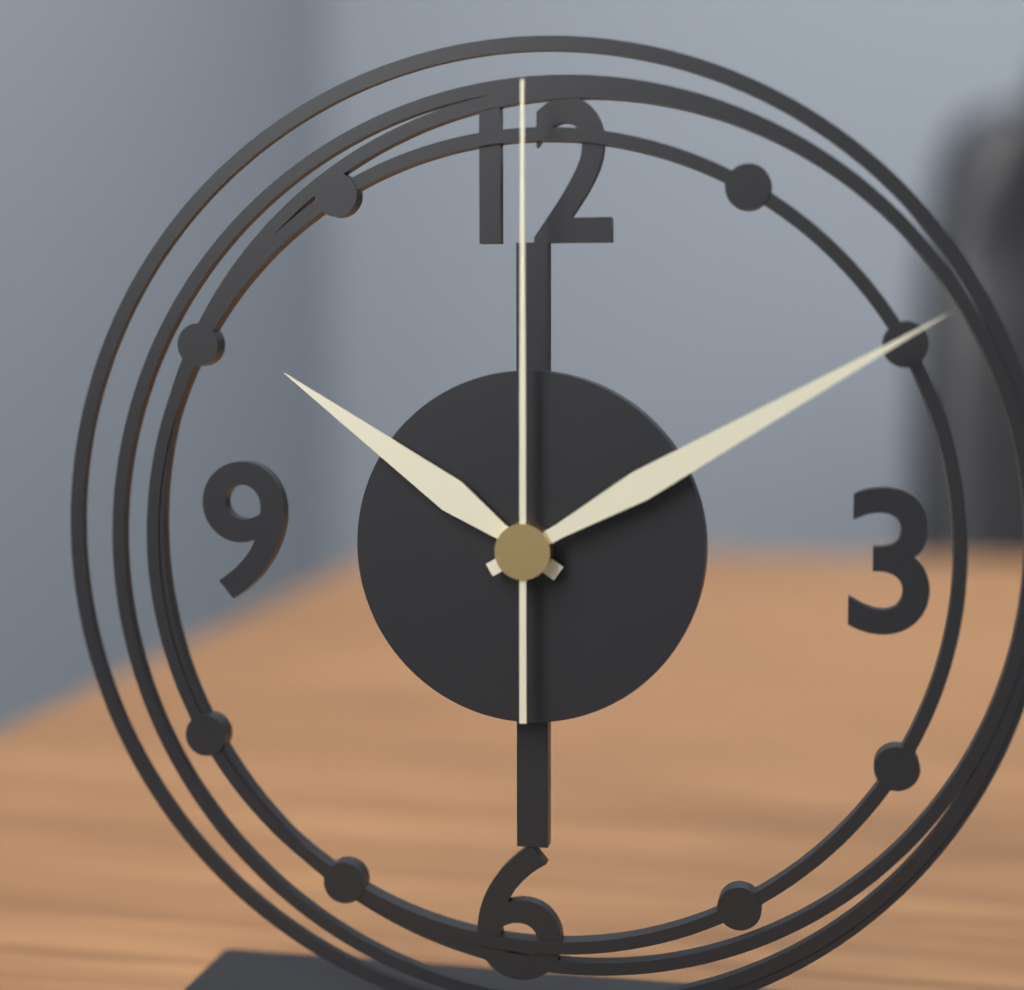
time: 10:10:00
